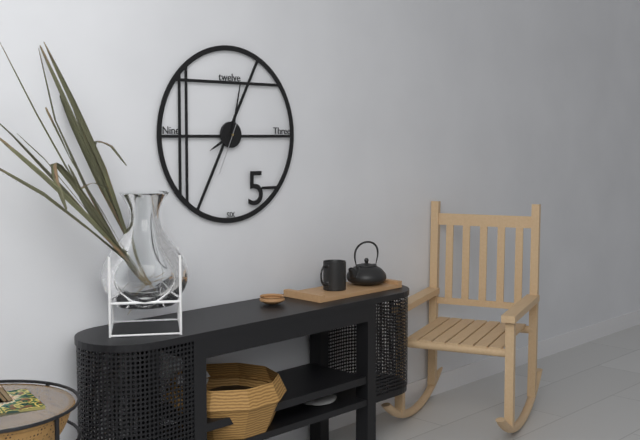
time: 8:02:34
